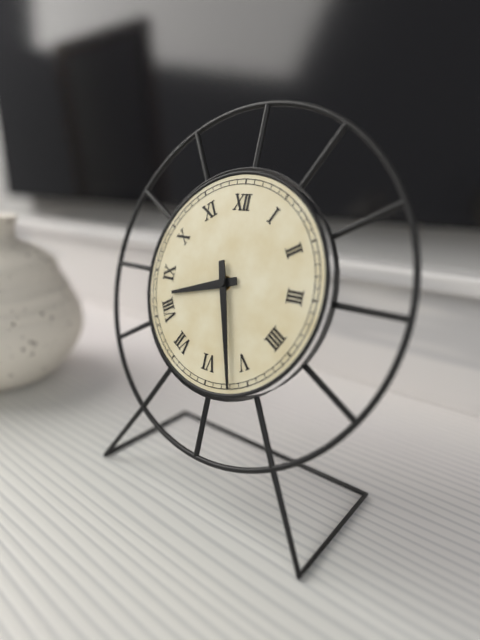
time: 8:27
